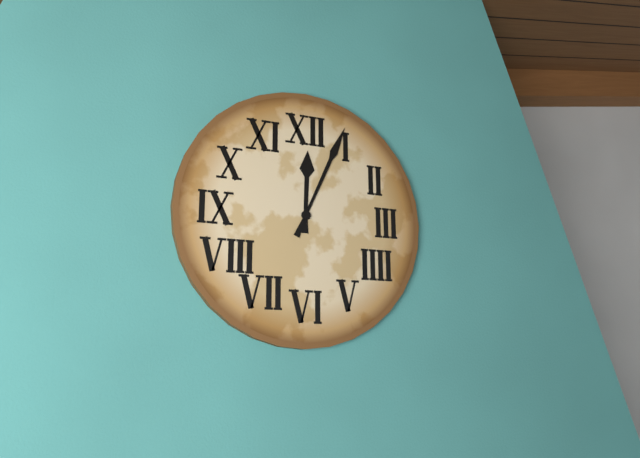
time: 12:04
